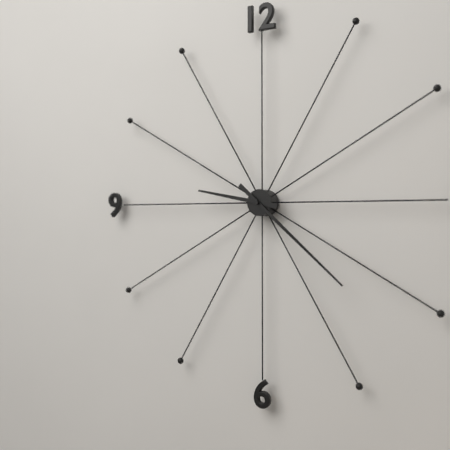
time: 9:22
